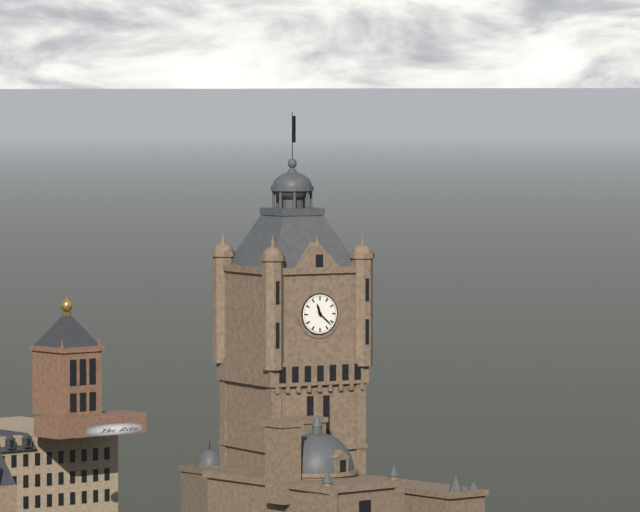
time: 11:22
